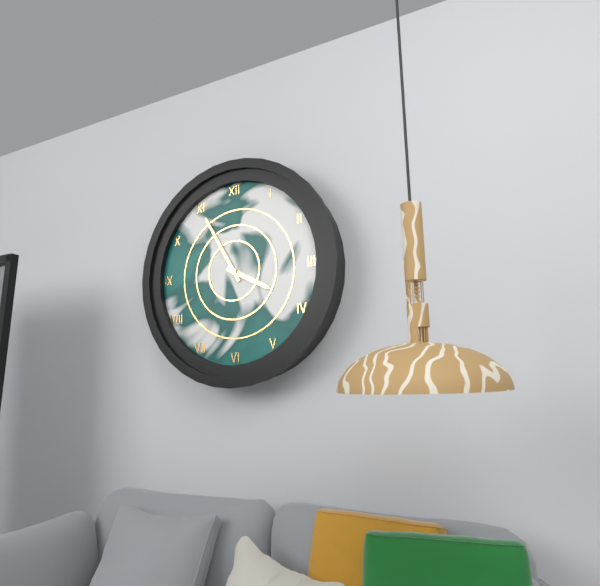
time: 3:55
